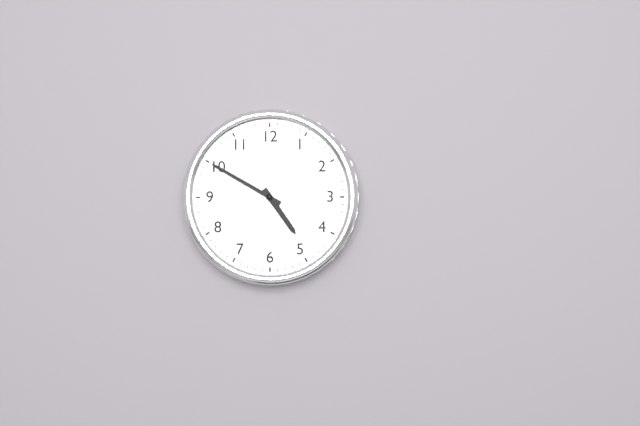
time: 4:50
